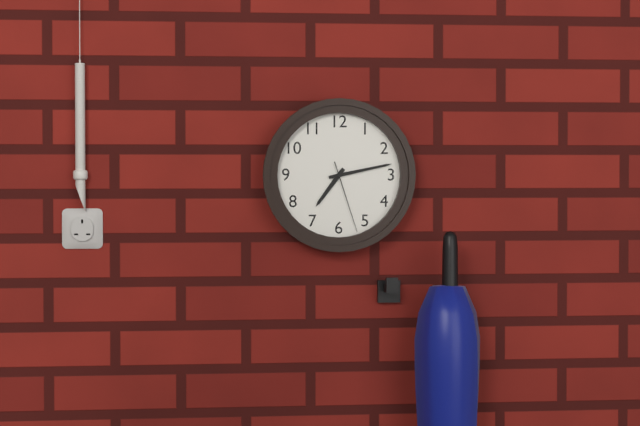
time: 7:13:27
